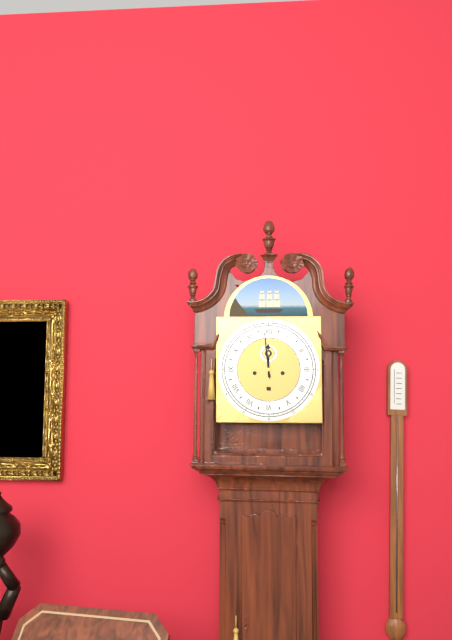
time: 11:59
